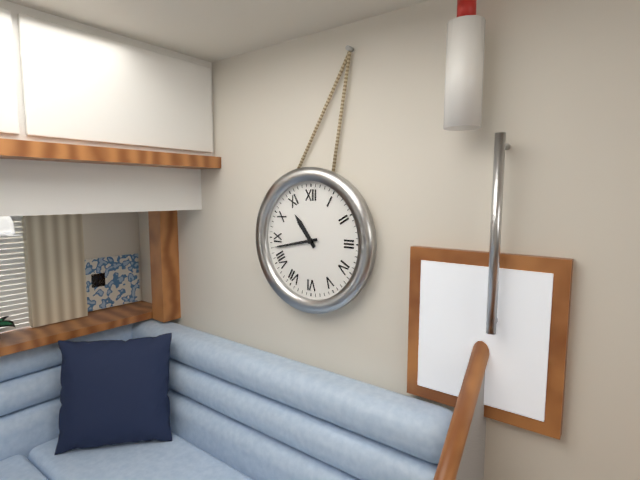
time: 10:43
